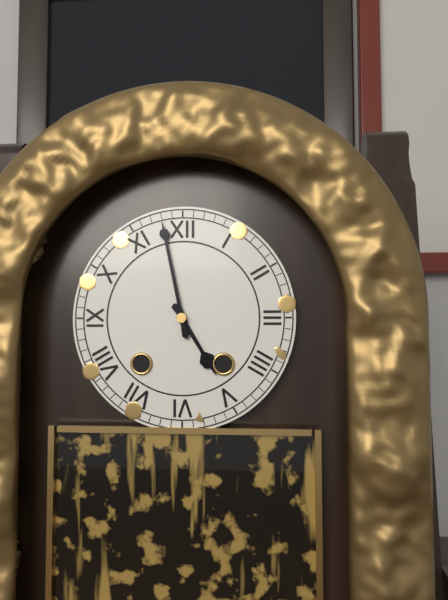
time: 4:58
